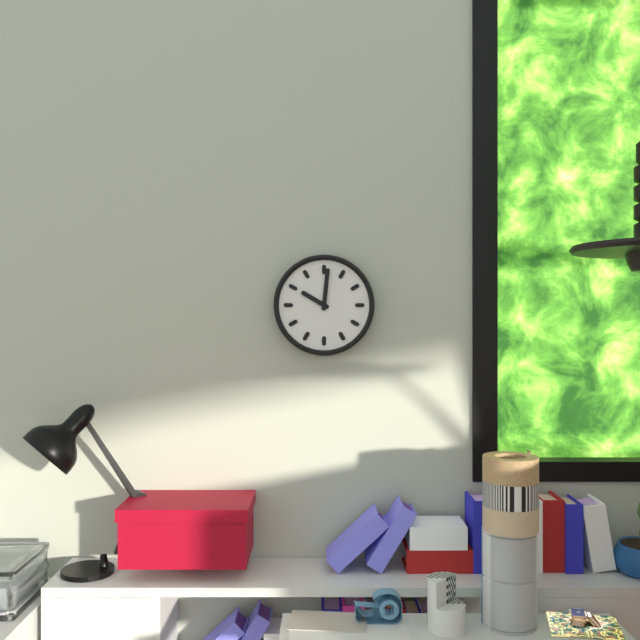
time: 10:01
